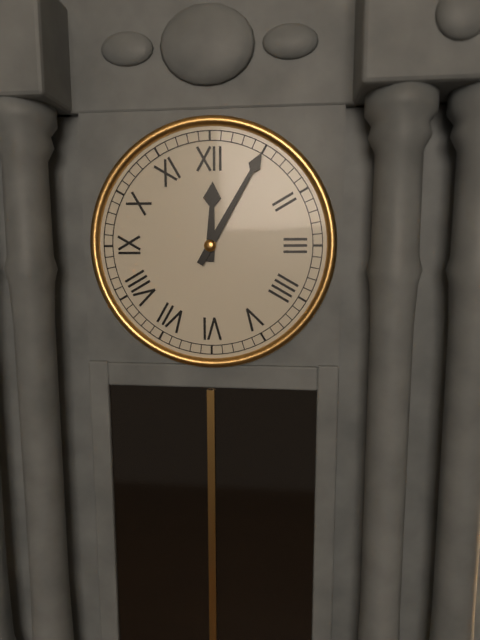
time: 12:05
